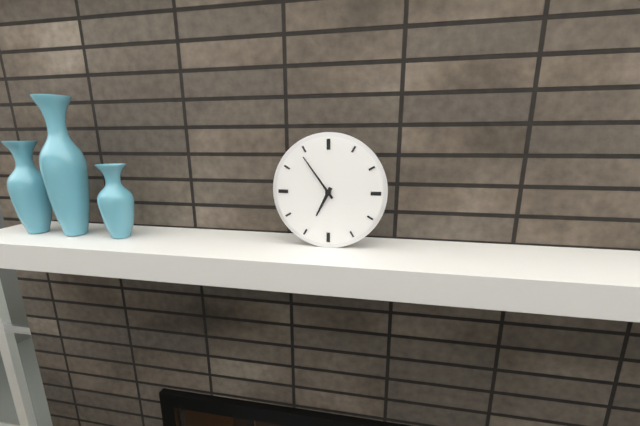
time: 6:54
